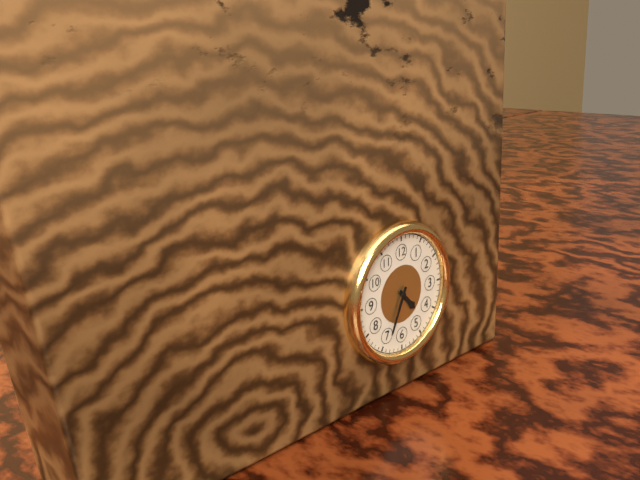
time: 4:34
